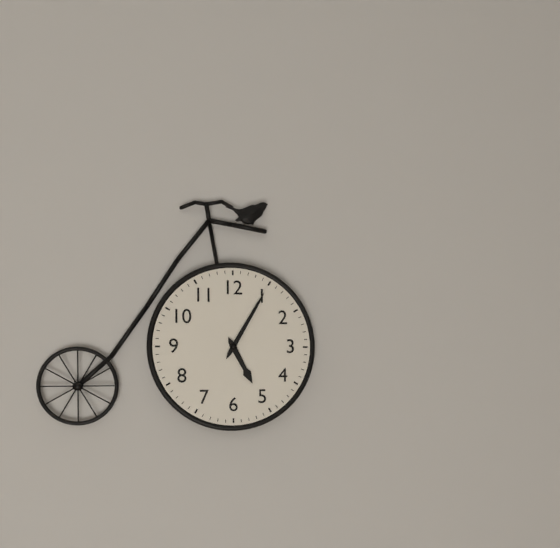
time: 5:05
